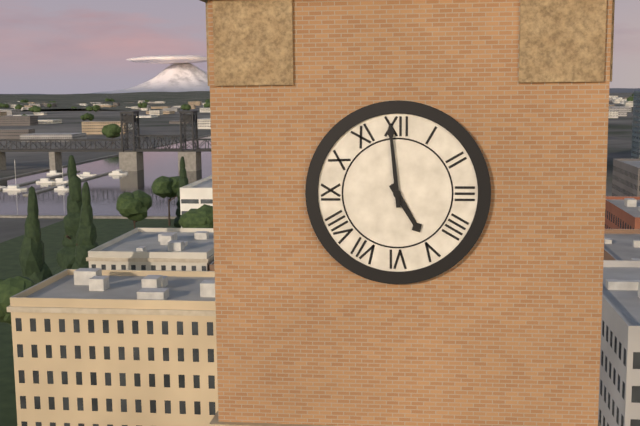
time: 4:59
